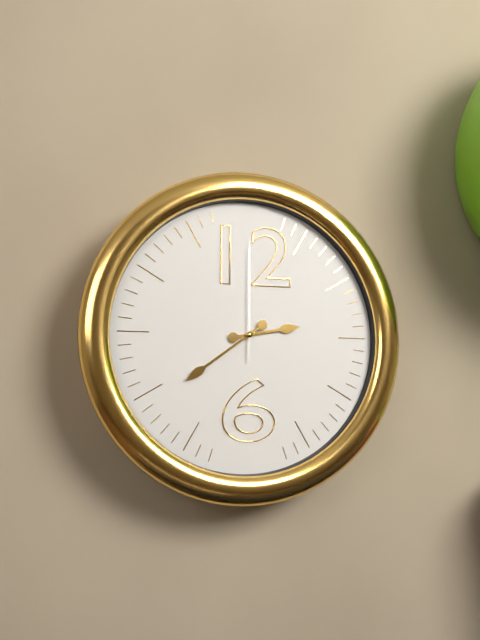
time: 2:39:00
